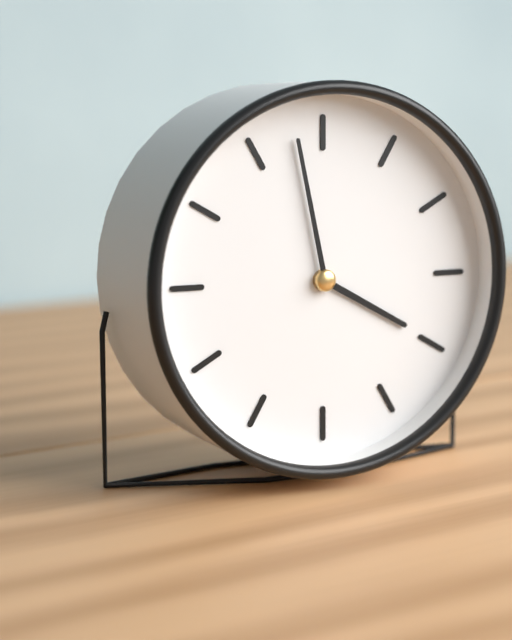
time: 3:58
